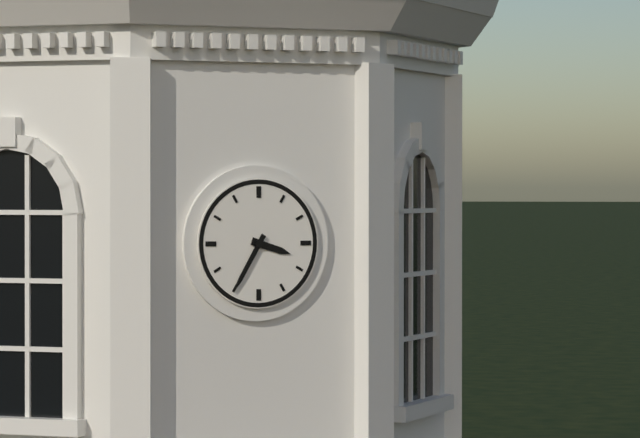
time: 3:35
